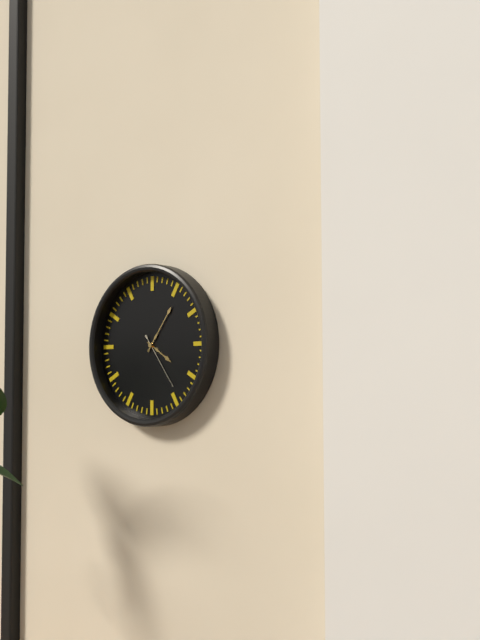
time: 4:06:24
